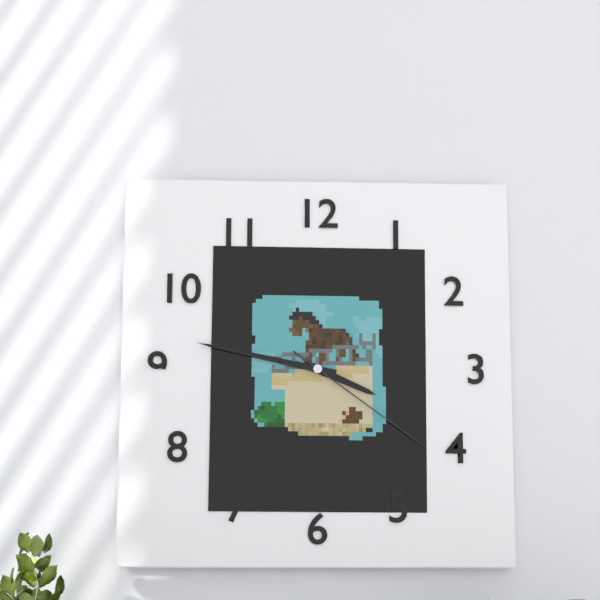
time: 3:47:21
